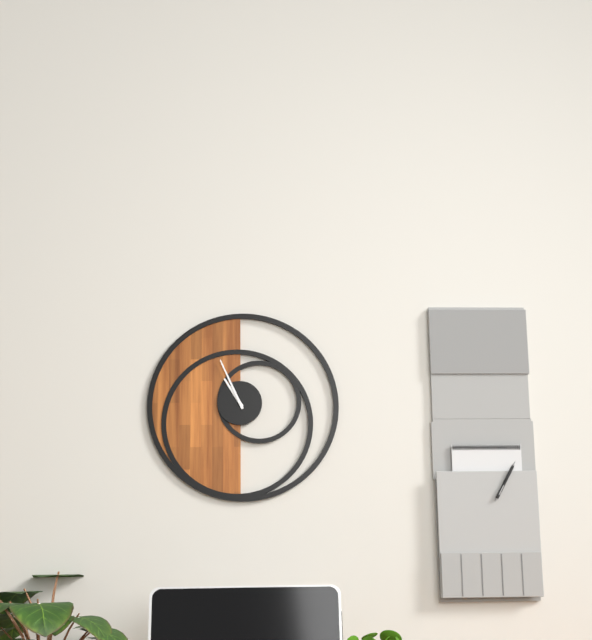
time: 10:56
